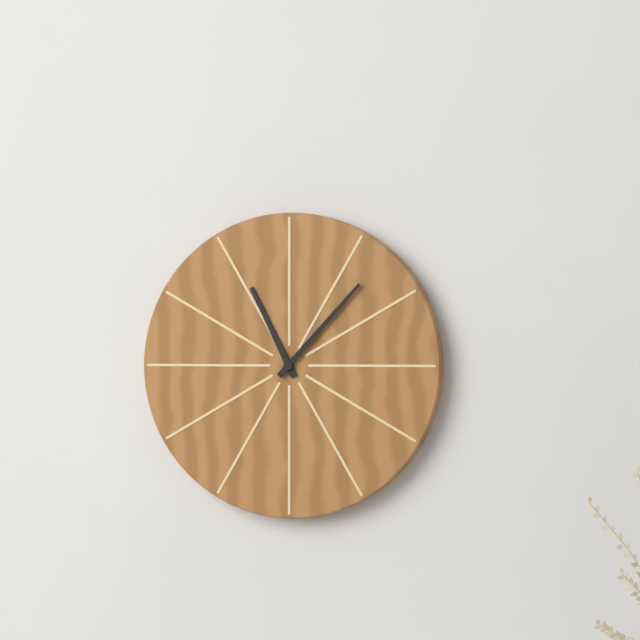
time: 11:07
